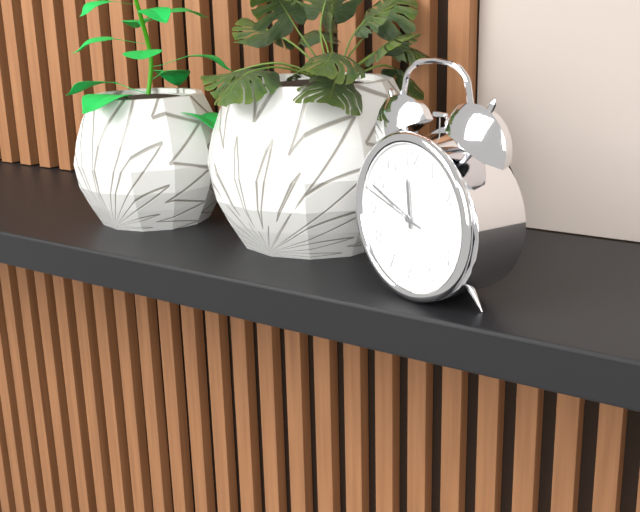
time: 11:49:48
